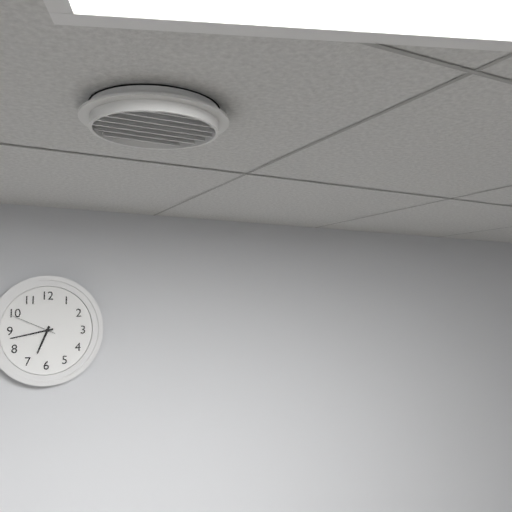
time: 6:43
